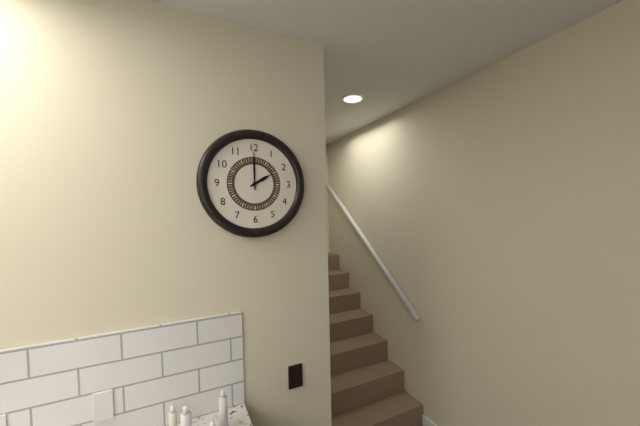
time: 2:00
